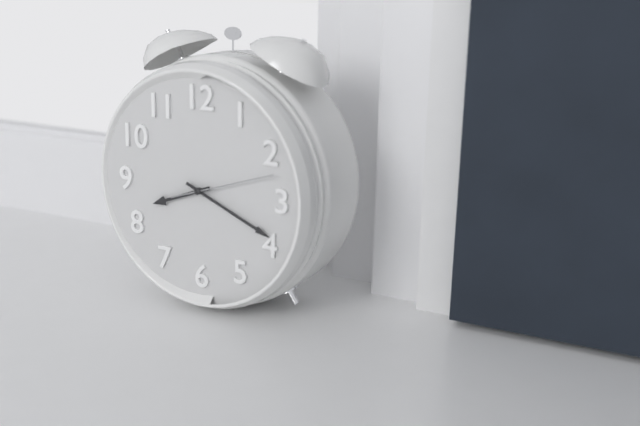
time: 8:19:12
